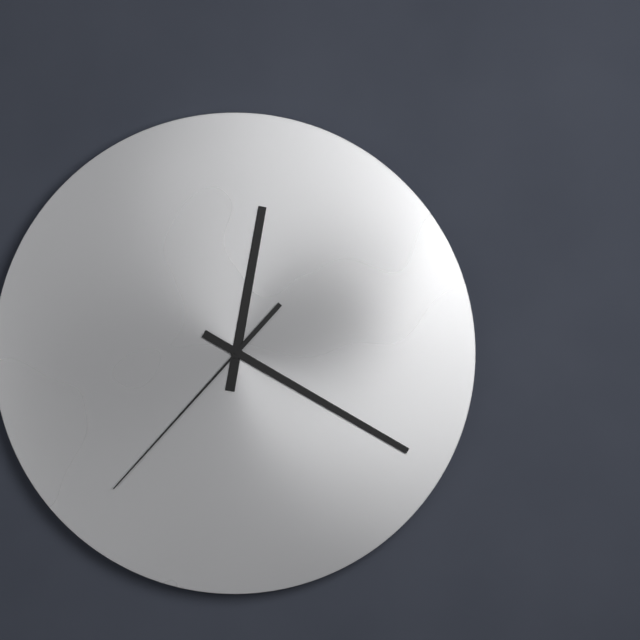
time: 12:20:37
